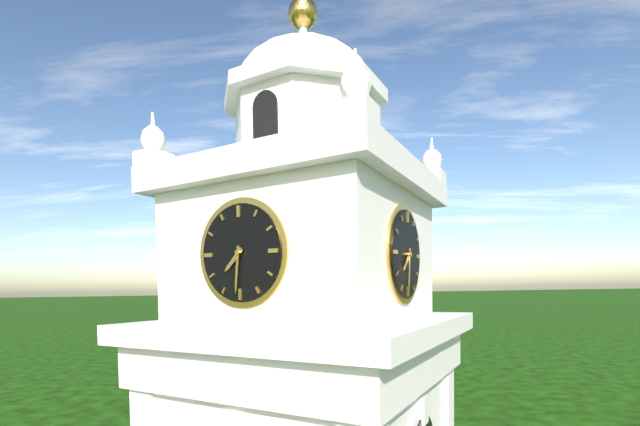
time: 7:31
